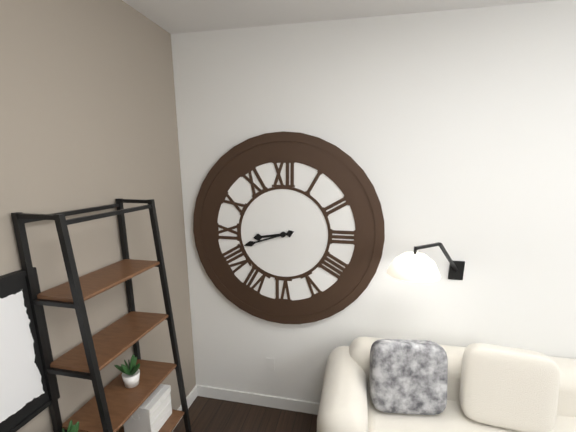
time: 8:42
